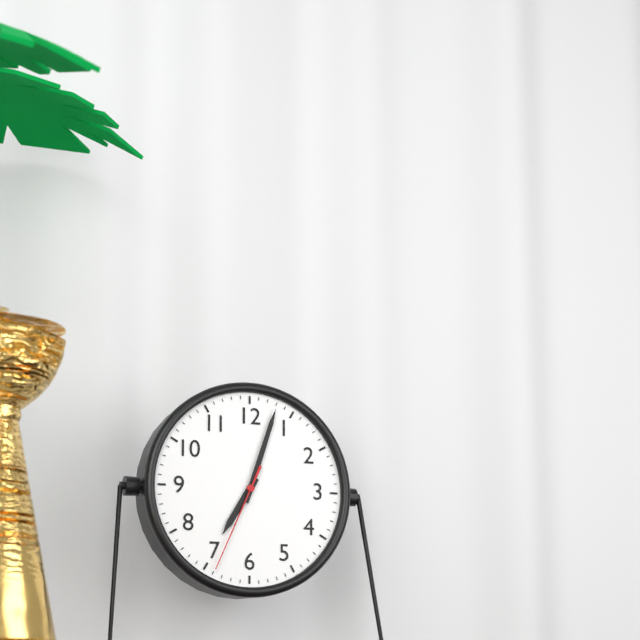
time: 7:03:34
